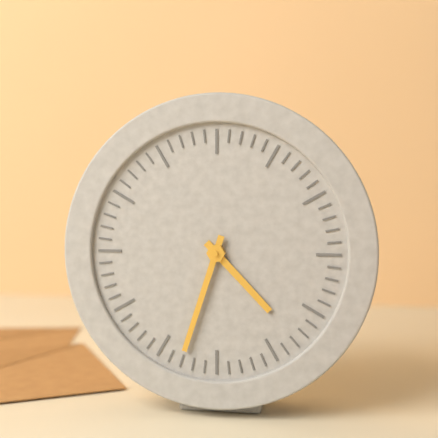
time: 4:33
